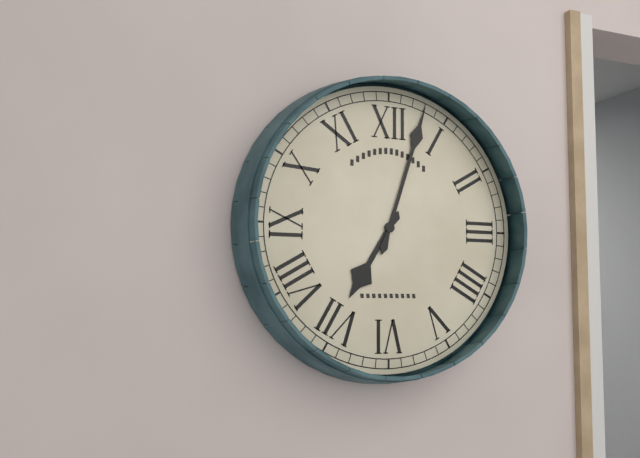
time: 7:03
